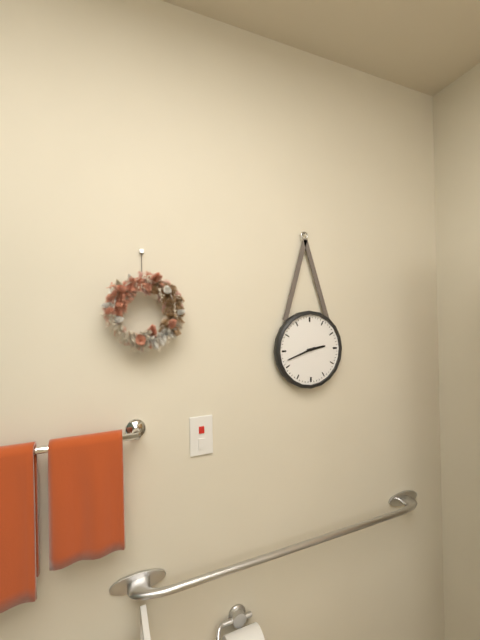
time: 2:42
